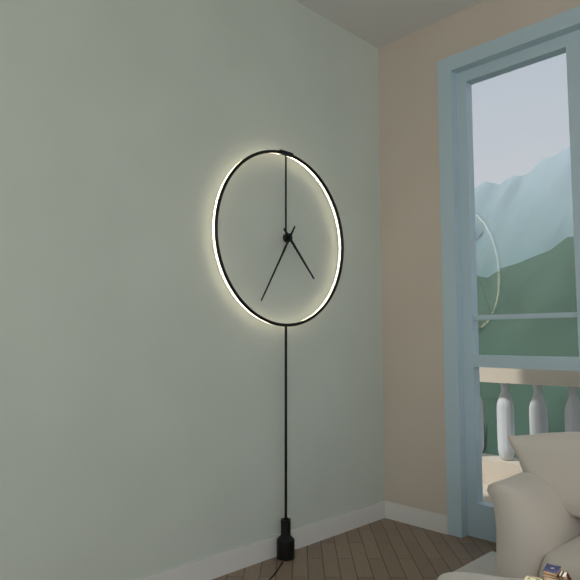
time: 4:35
